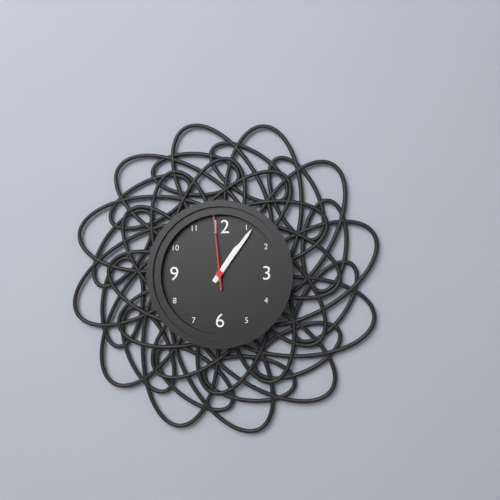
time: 1:06:59
